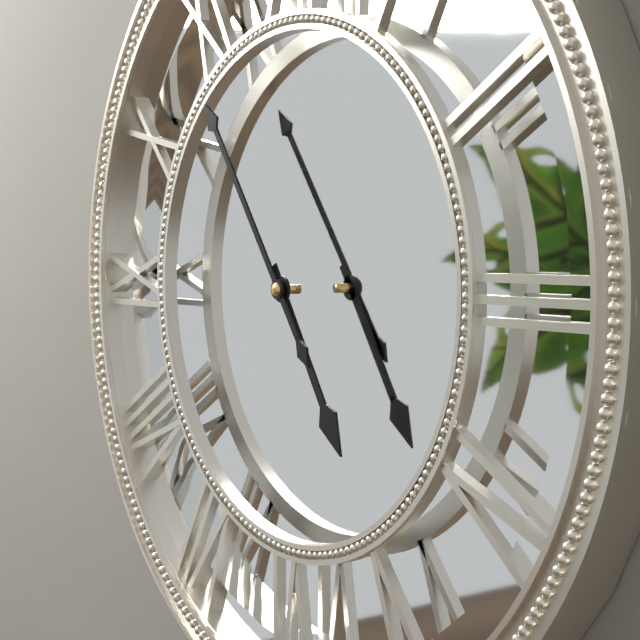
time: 4:54
